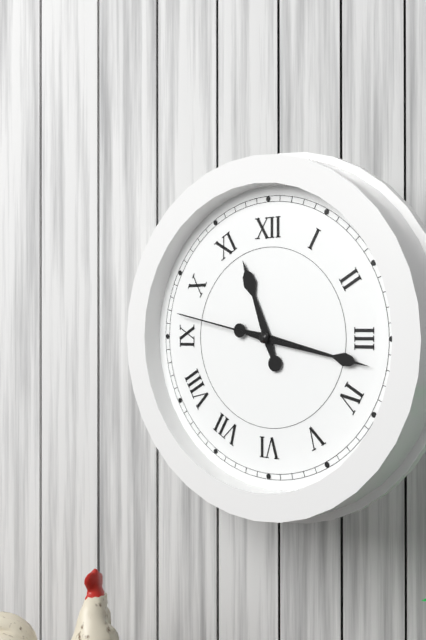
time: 11:17:47
